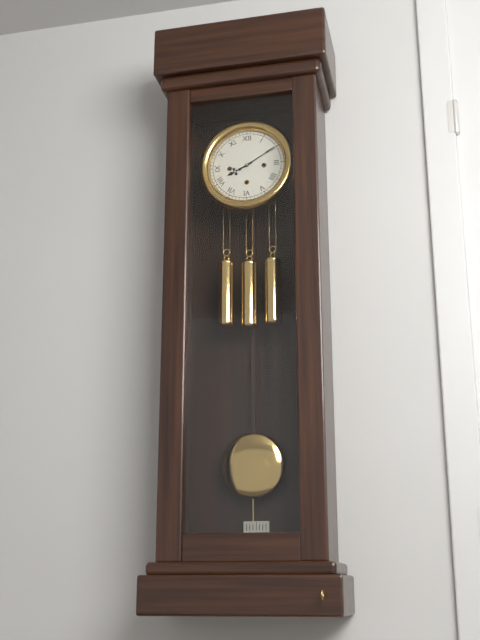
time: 8:10
